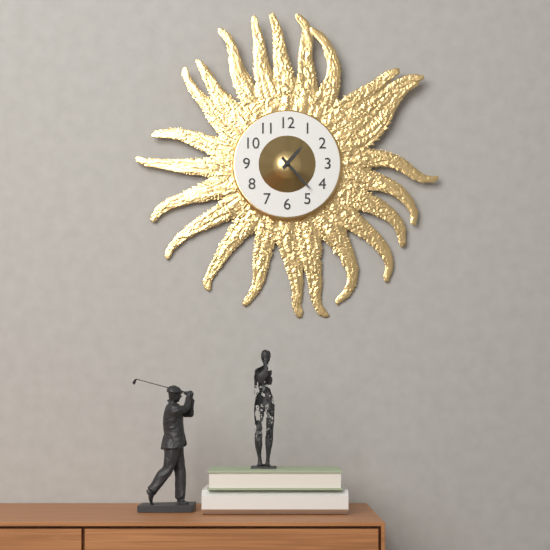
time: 1:23
